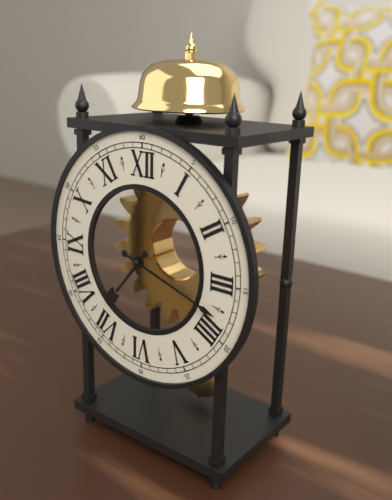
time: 7:18
